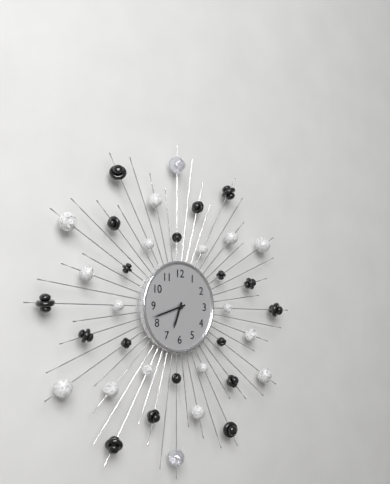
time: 6:42
